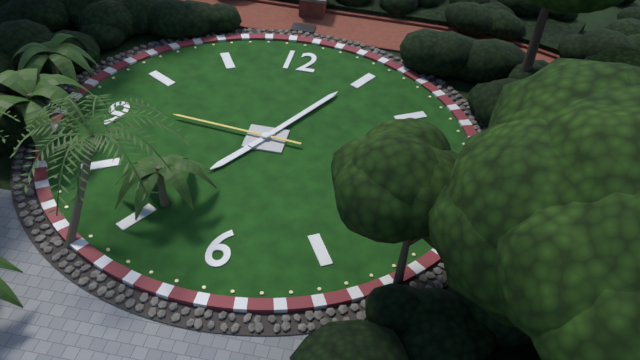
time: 7:05:46
